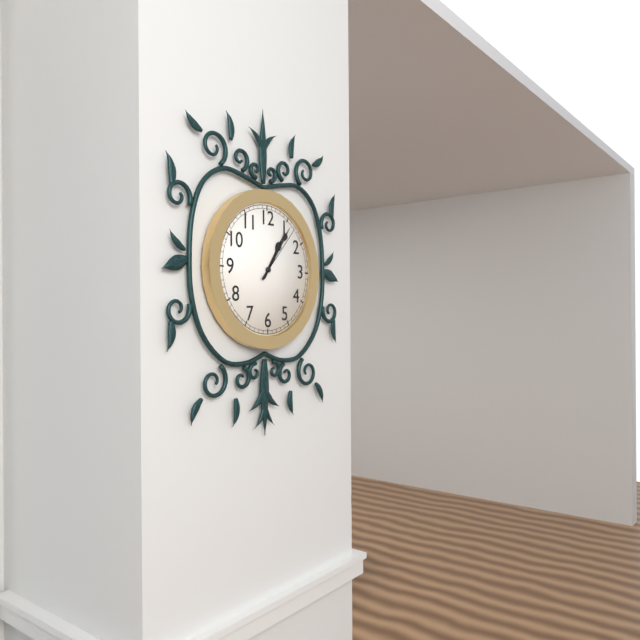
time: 1:06:07
